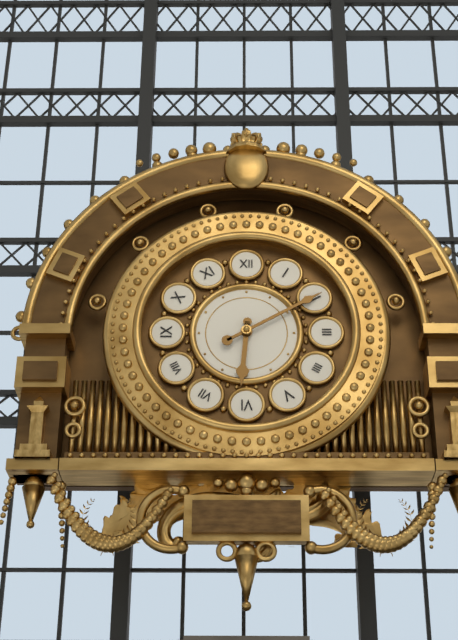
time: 6:10
